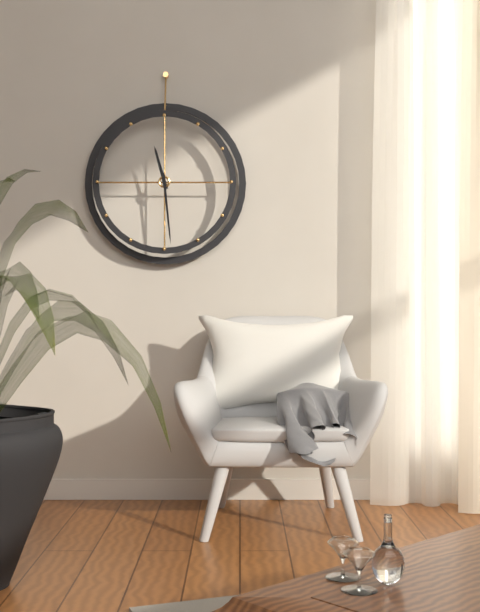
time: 11:29
